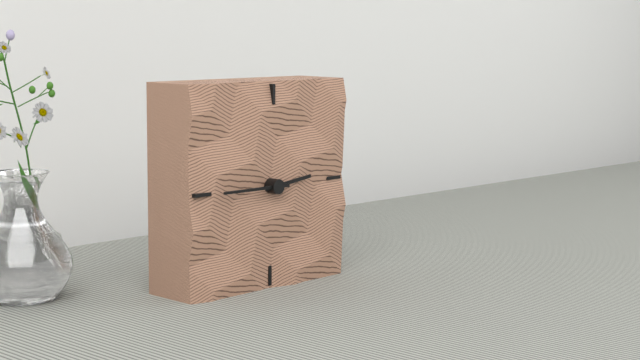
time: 2:45
